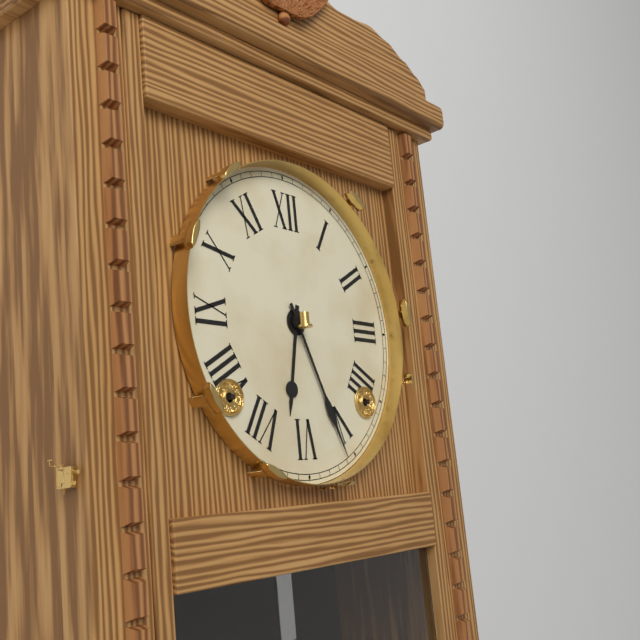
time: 6:26
